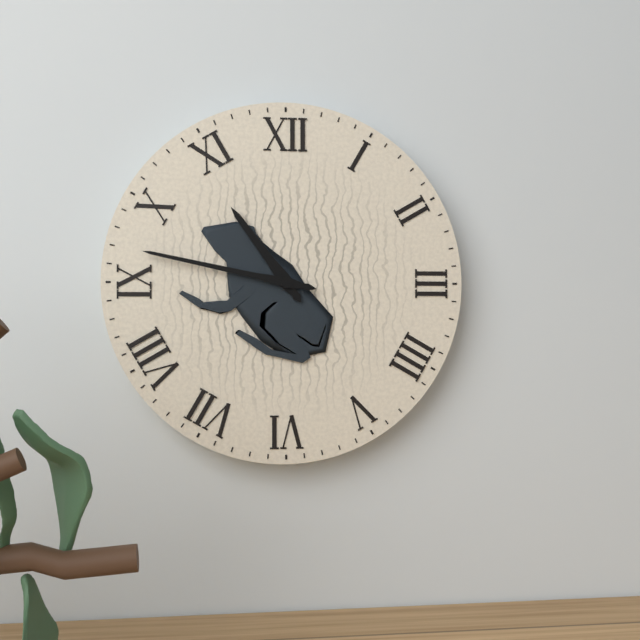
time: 10:47
